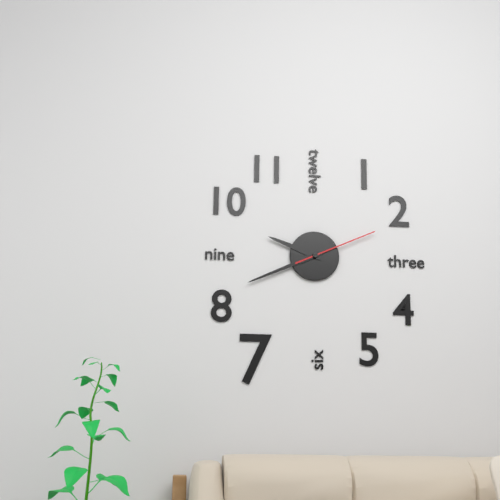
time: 9:41:11
